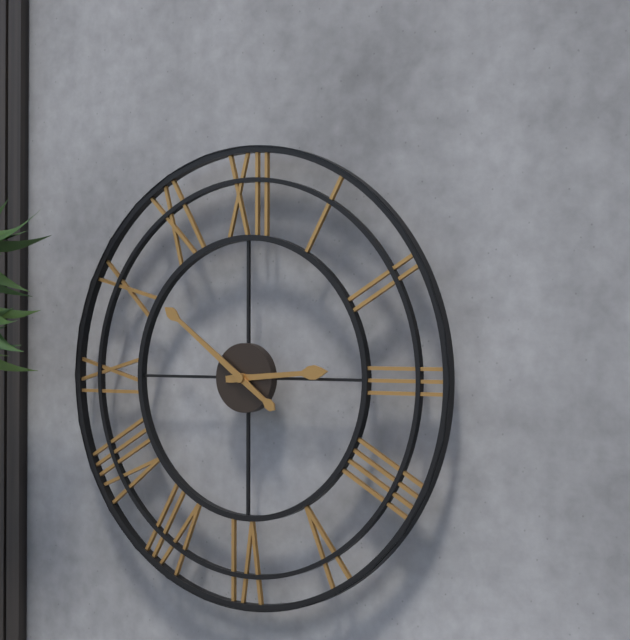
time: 2:51
